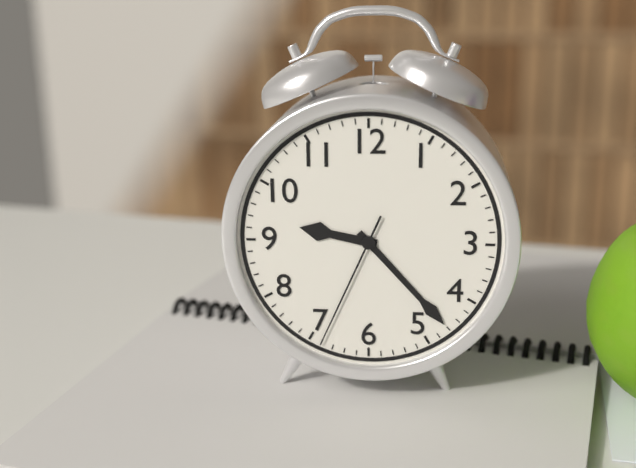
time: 9:23:34
